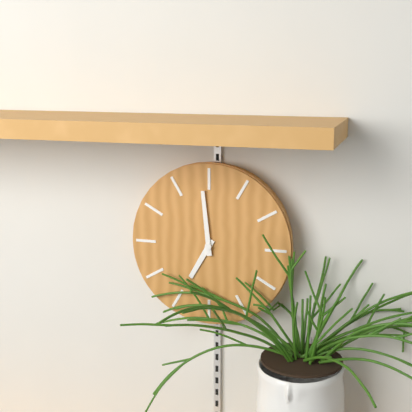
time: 6:59
